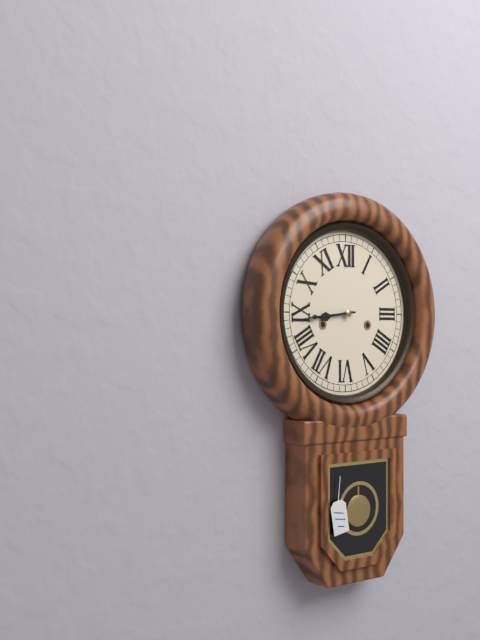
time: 8:44
